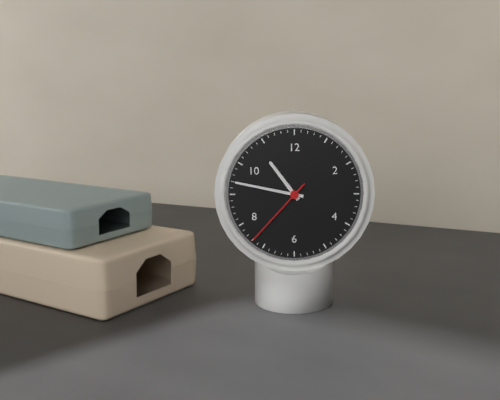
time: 10:47:37
